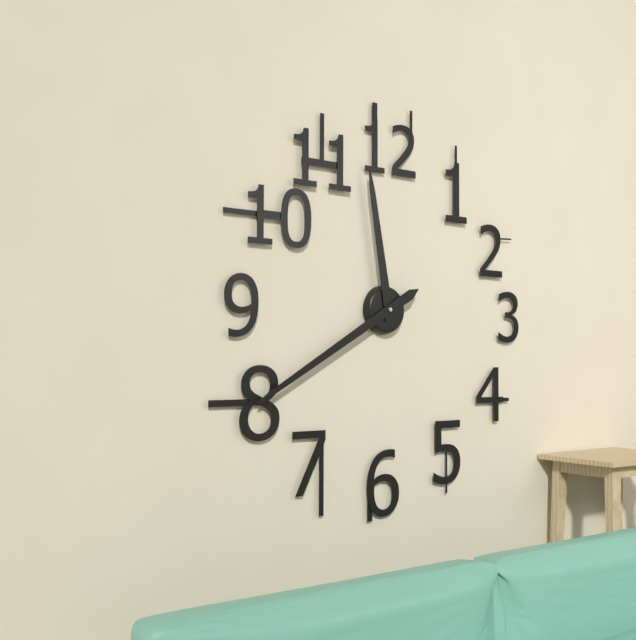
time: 11:40
